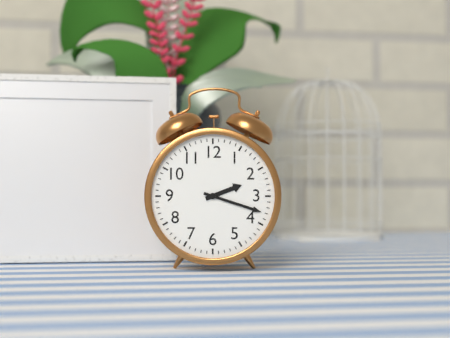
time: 2:18
